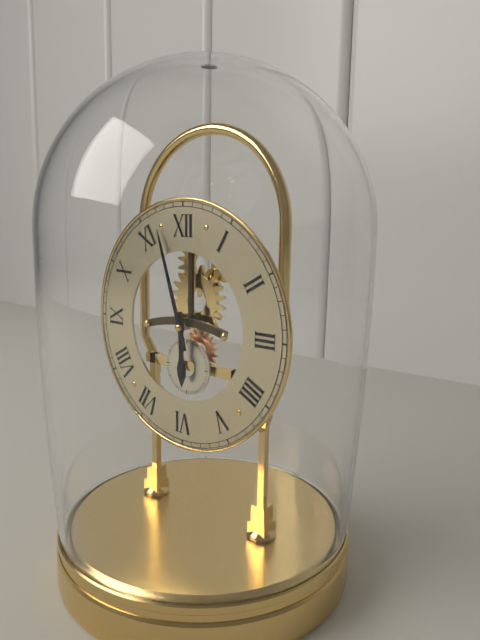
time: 5:57
